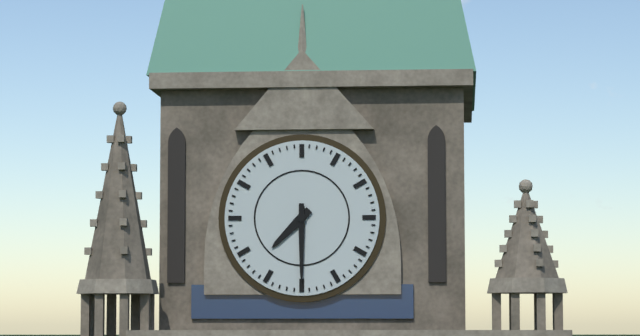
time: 7:30
